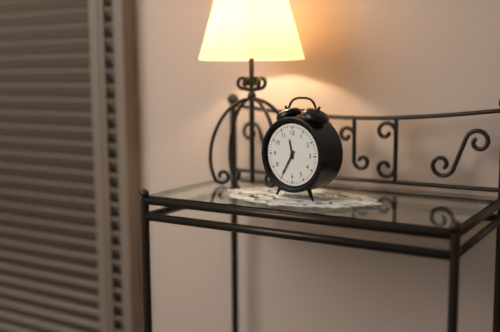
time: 11:35
